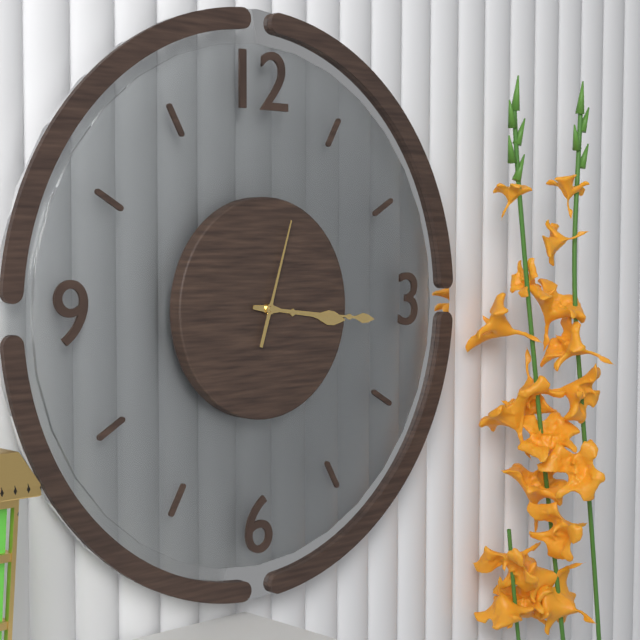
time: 3:16:03
